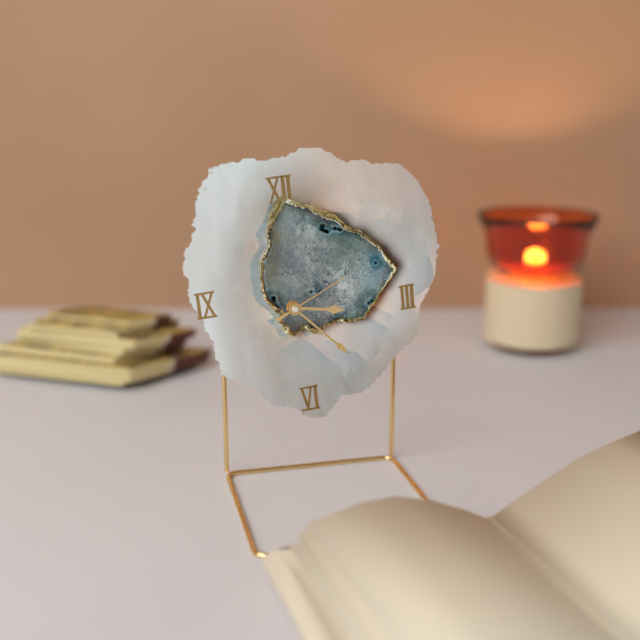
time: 3:23:11
